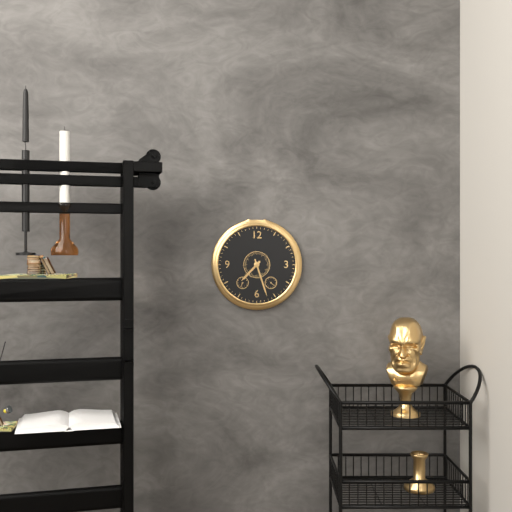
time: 7:27
